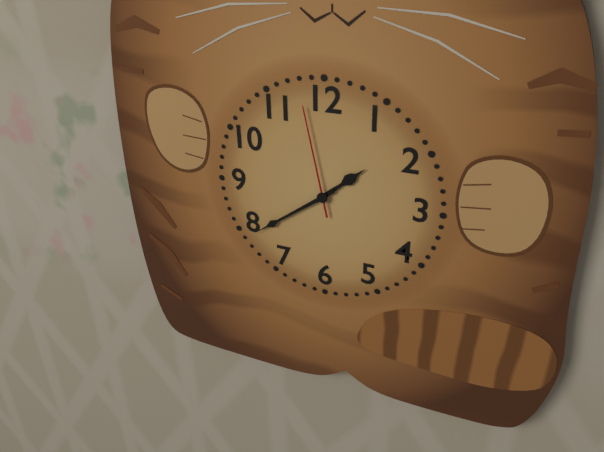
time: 1:39:58
